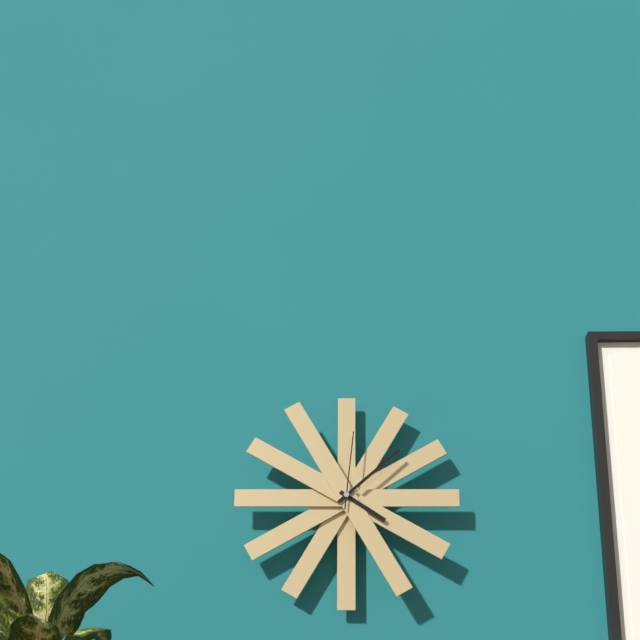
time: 4:08:01
